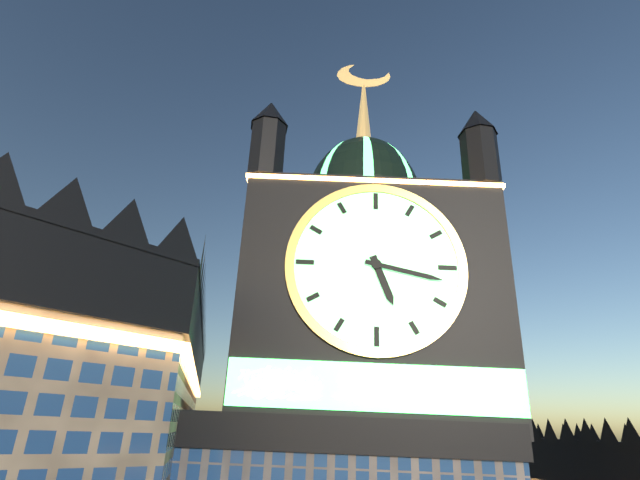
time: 5:17
